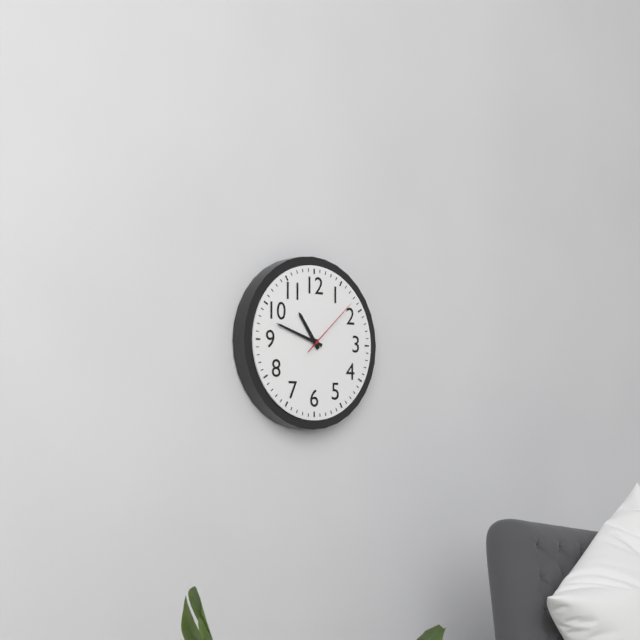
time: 10:48:08
